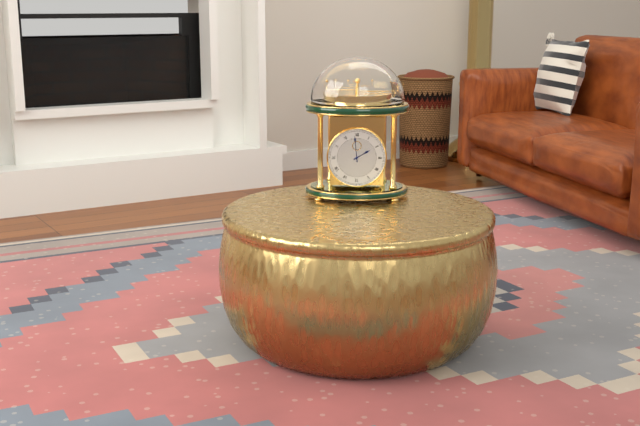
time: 1:59
